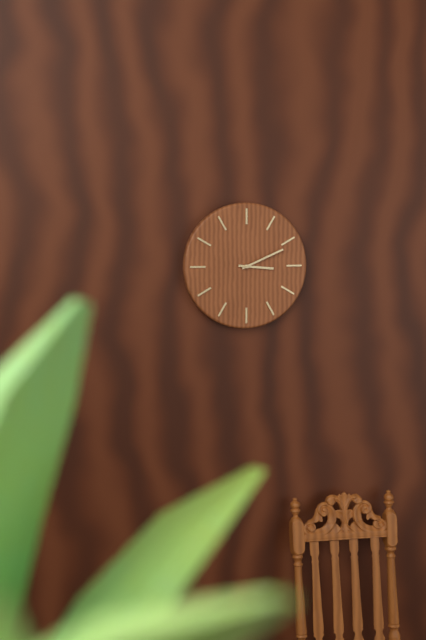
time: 3:11
